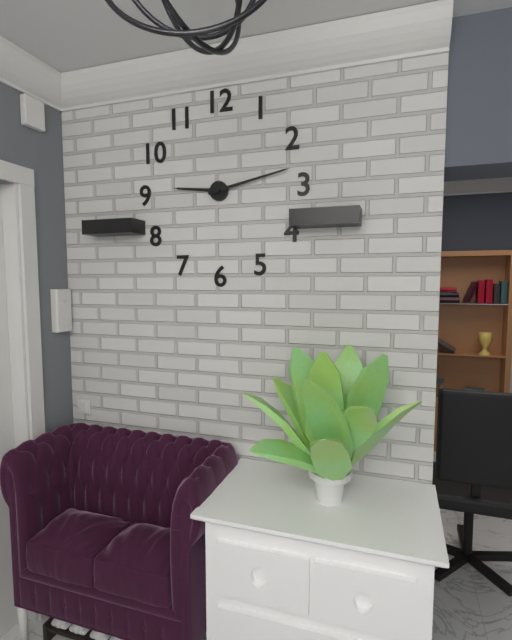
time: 9:13
